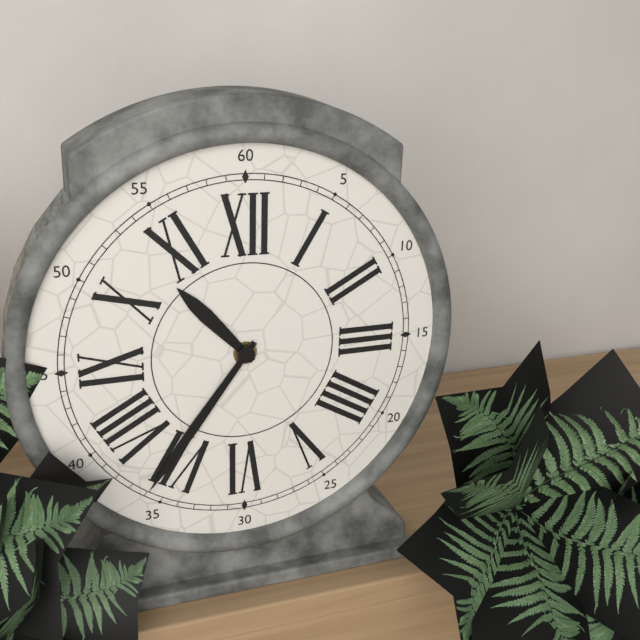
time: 10:36
